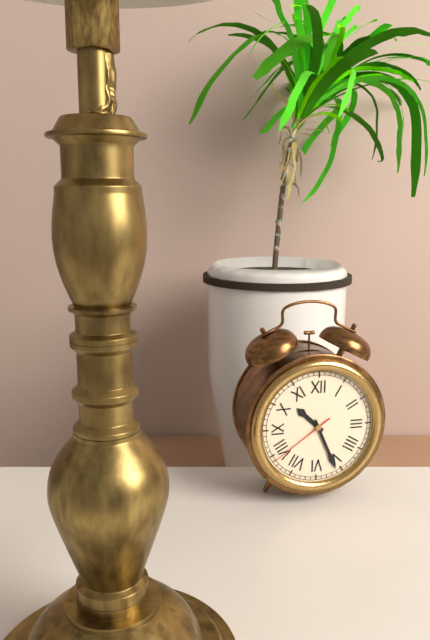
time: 10:26:39
